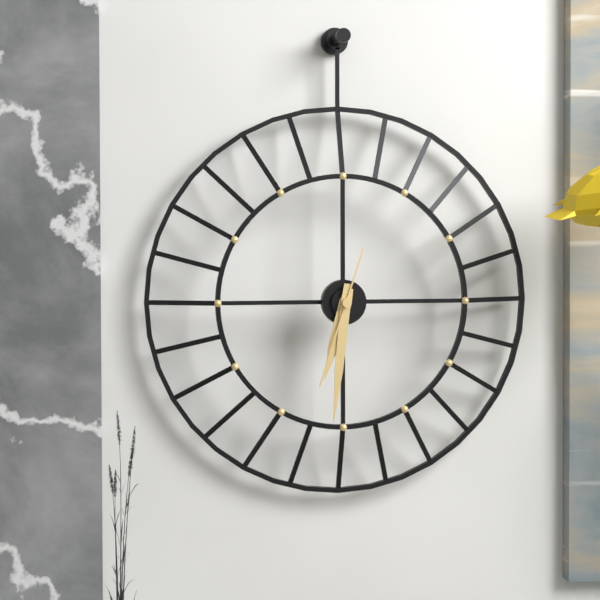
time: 6:31:33
